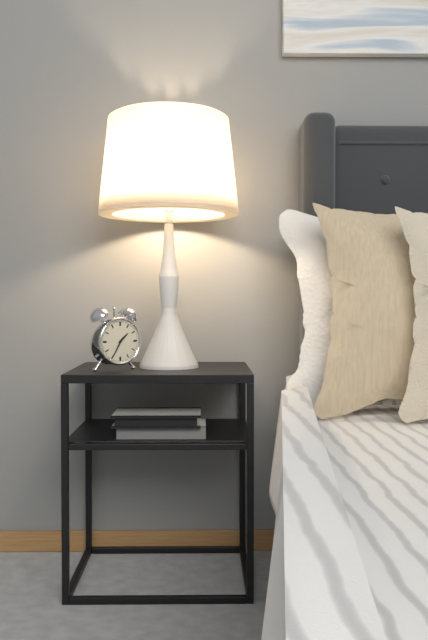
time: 1:35
